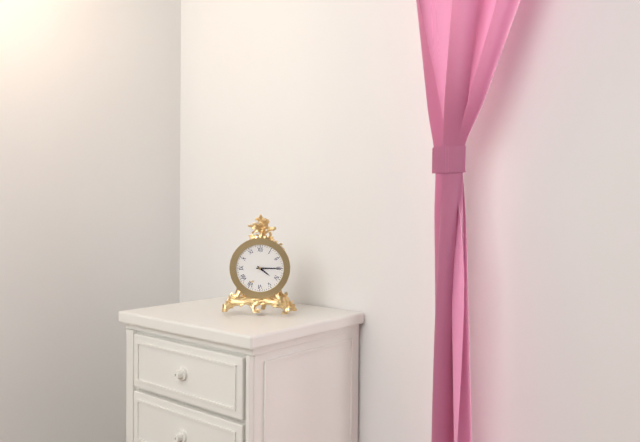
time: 4:15
